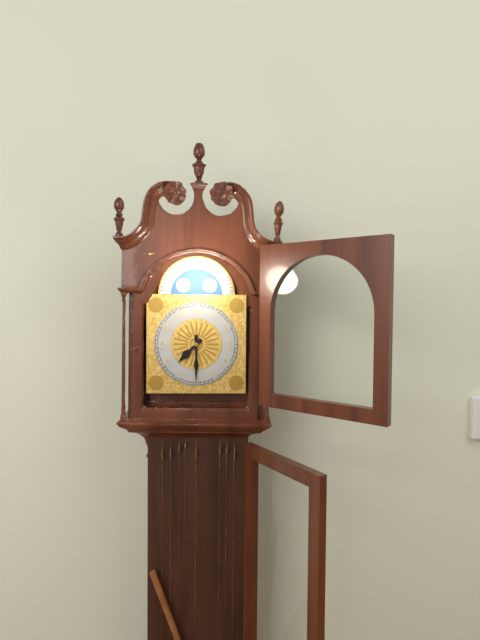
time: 7:30
